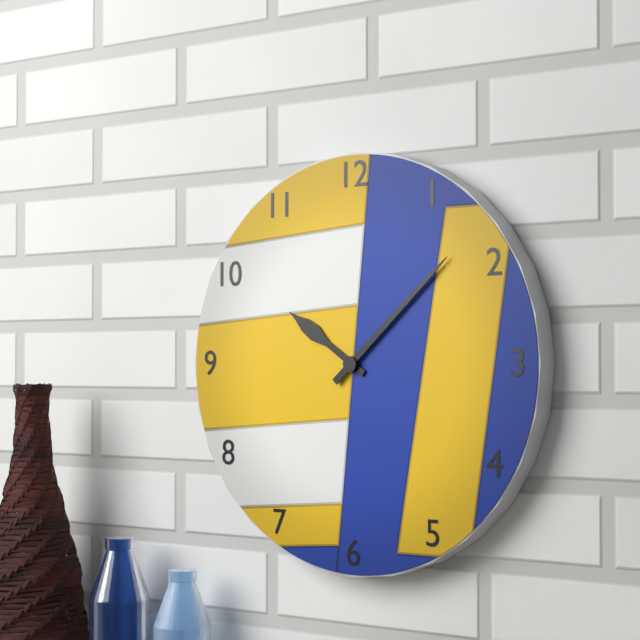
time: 10:08
